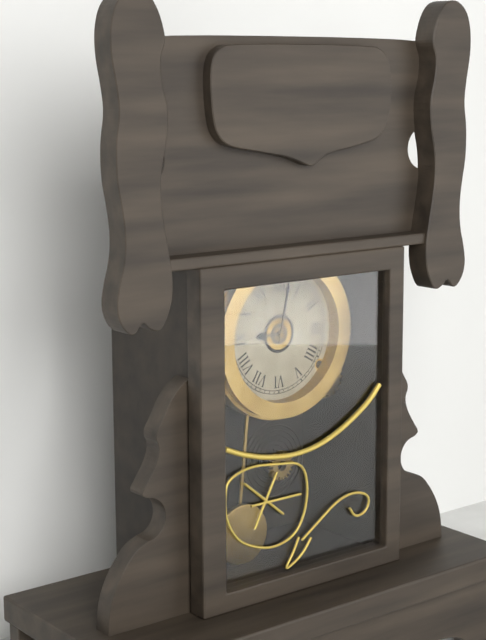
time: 9:02
